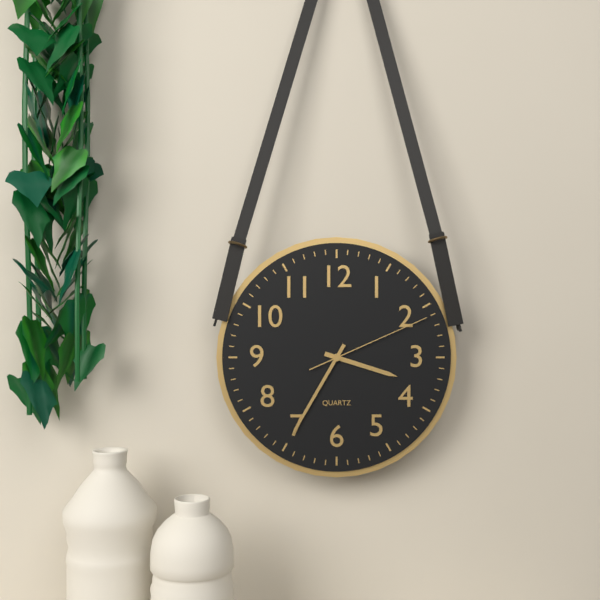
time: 3:35:11
